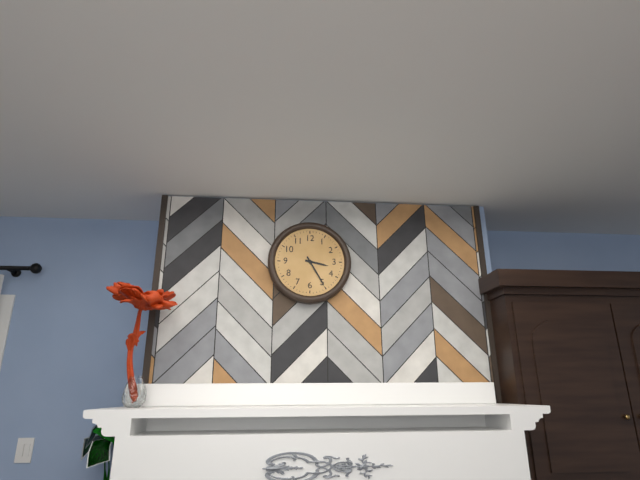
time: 3:25
